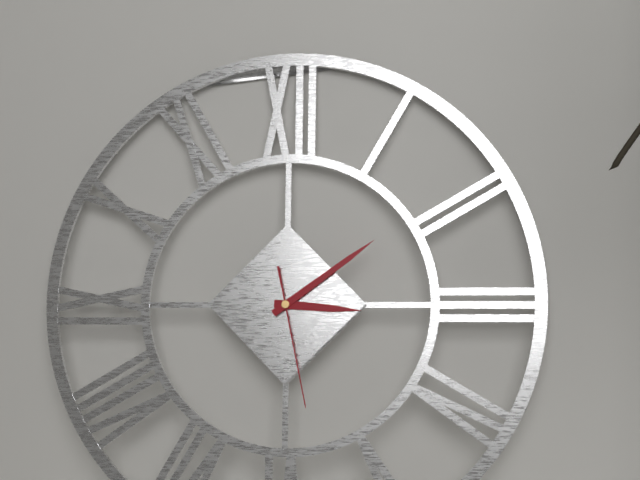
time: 3:09:28
